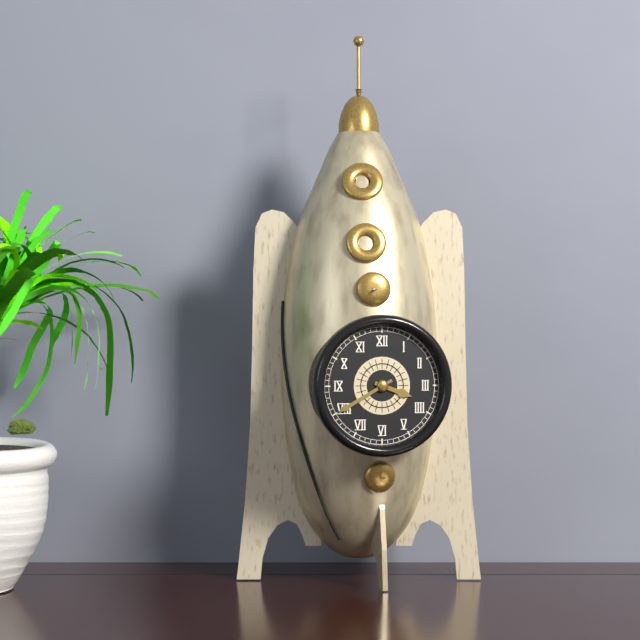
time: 3:40
